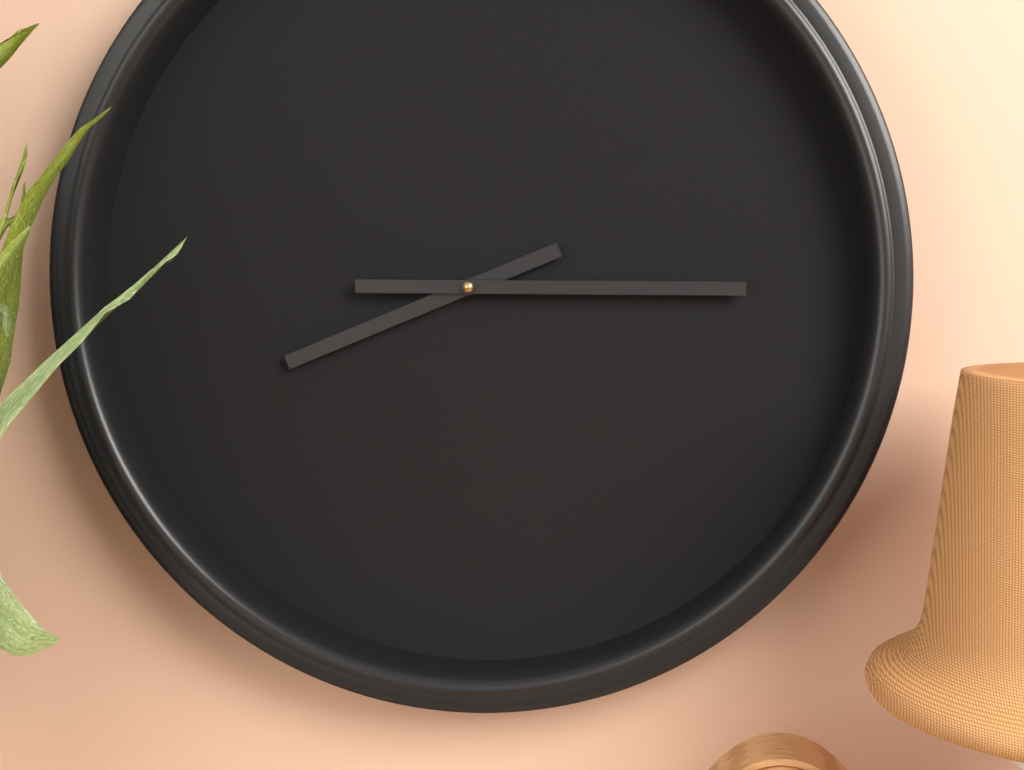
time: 8:15
